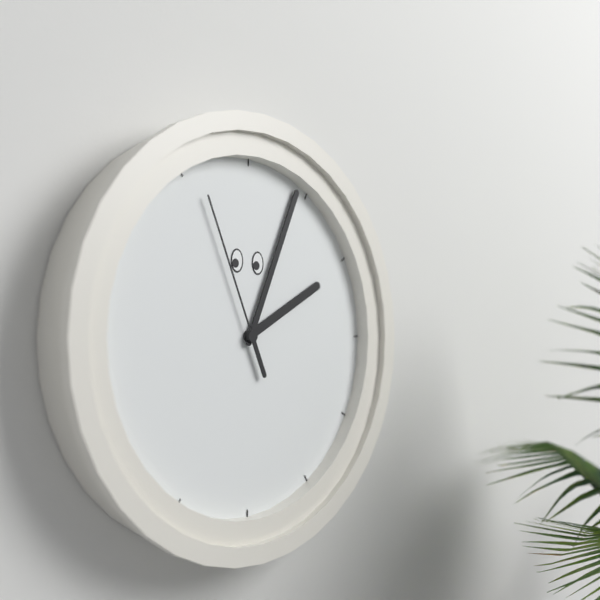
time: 2:04:56
